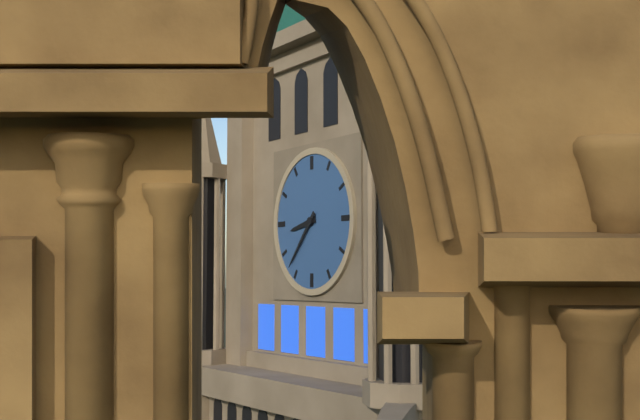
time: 8:37
